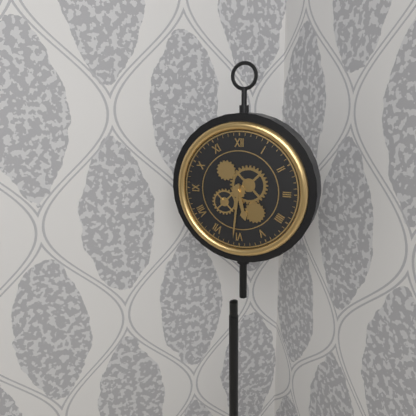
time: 5:31
